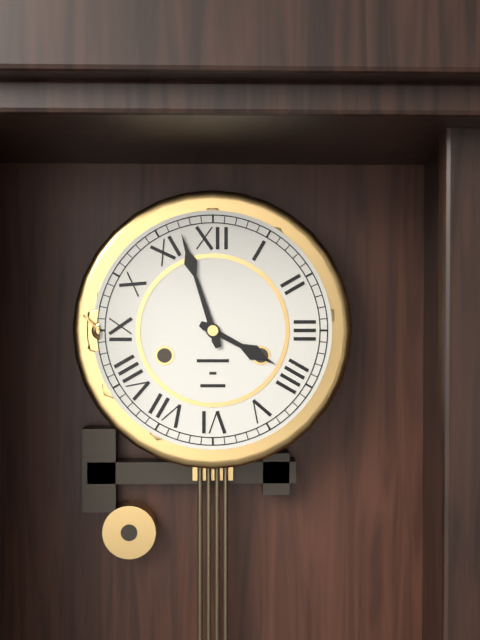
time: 3:57
